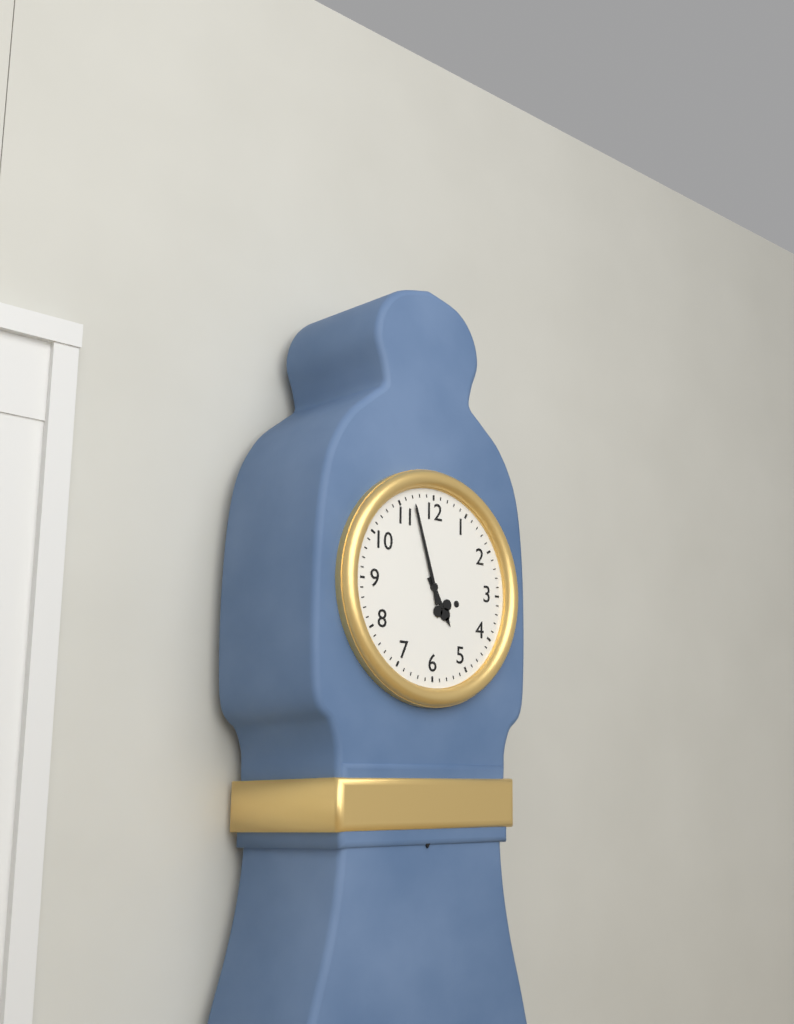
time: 4:57
